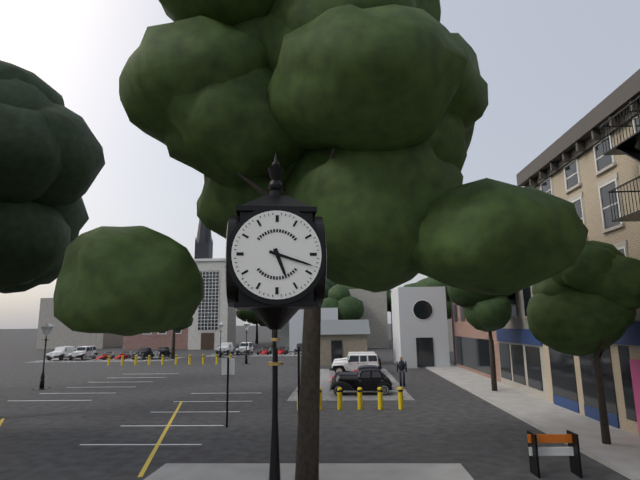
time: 5:18
